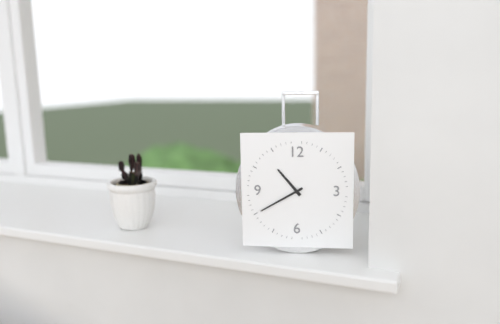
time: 10:40
